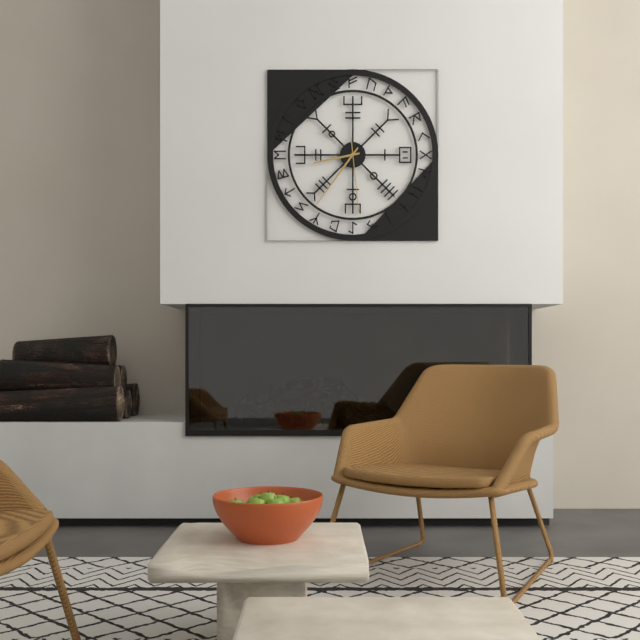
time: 8:36:29
